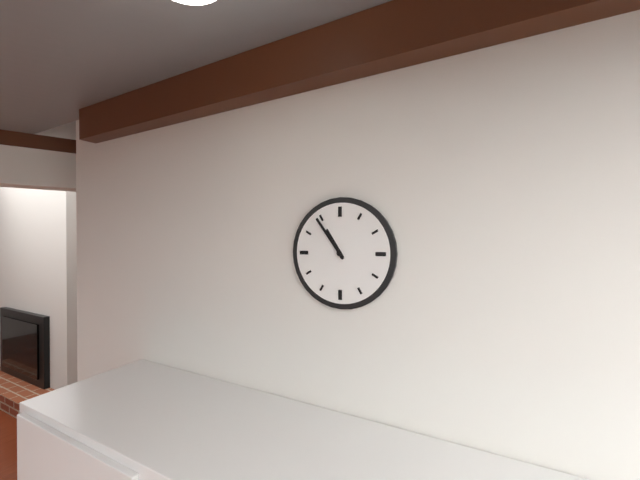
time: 10:54
